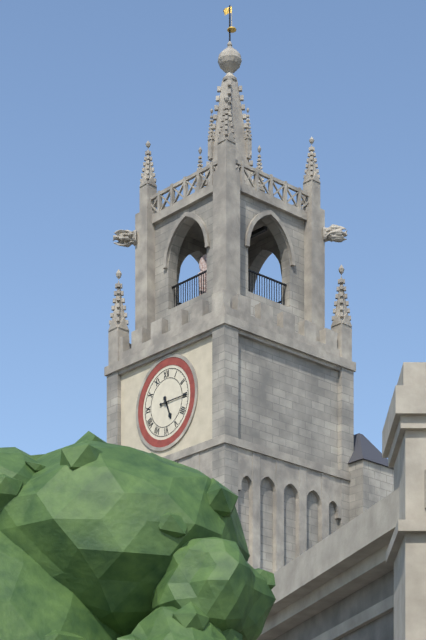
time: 5:15
